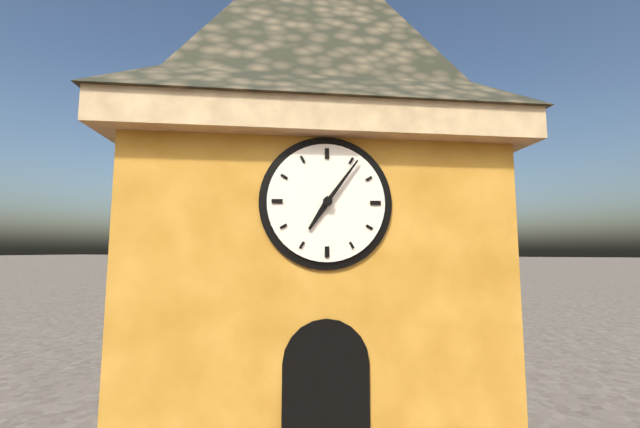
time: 7:06
